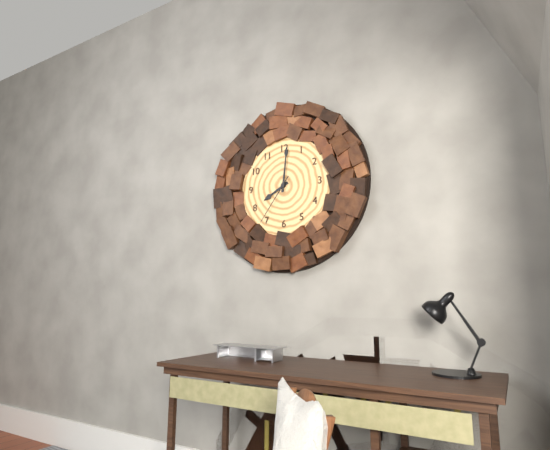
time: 8:01:36
